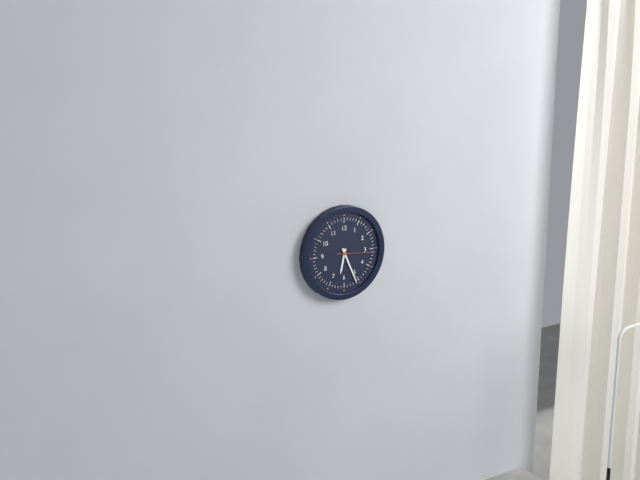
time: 6:26
